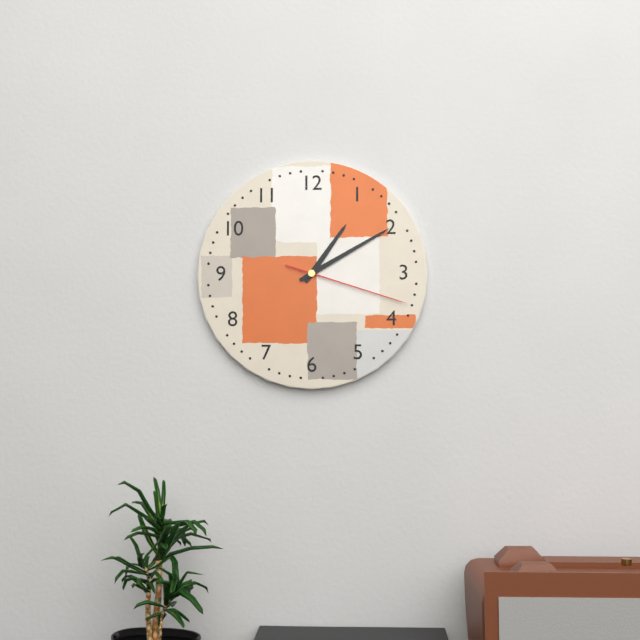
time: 1:10:18
